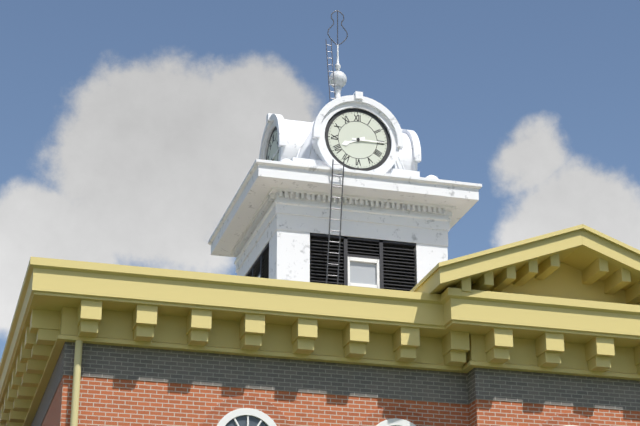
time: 8:15
